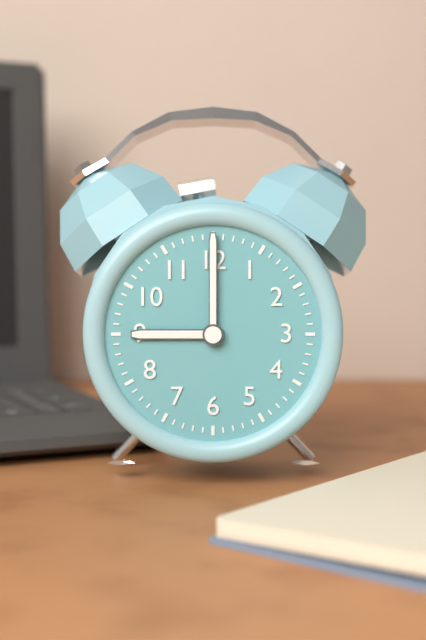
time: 9:00
